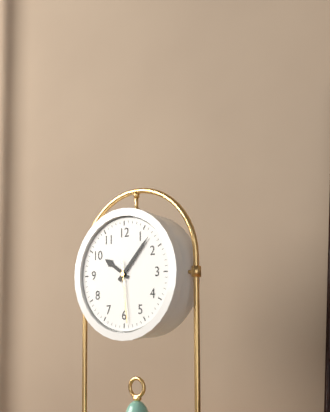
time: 10:07:29
